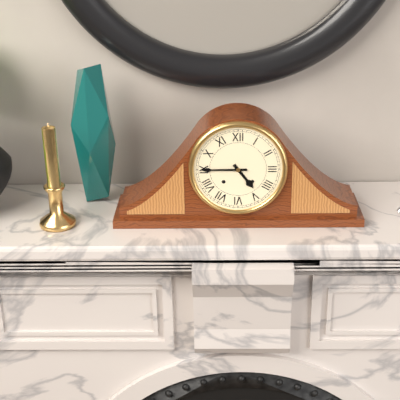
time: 4:45
